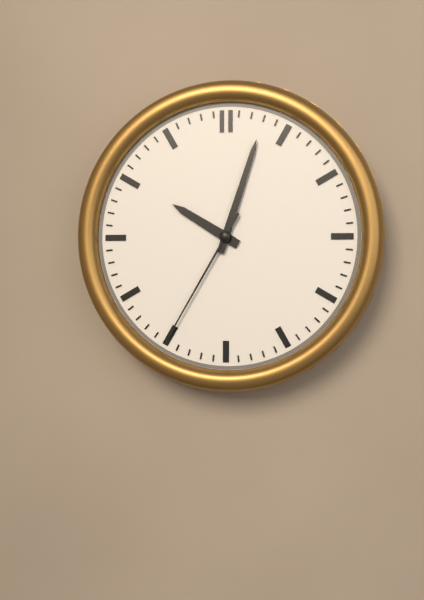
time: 10:03:35
